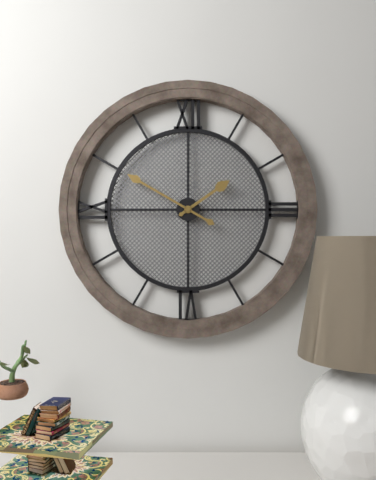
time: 1:50
